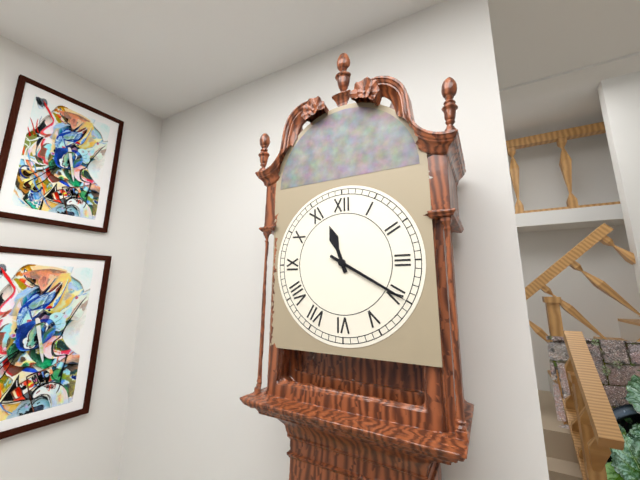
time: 11:20
